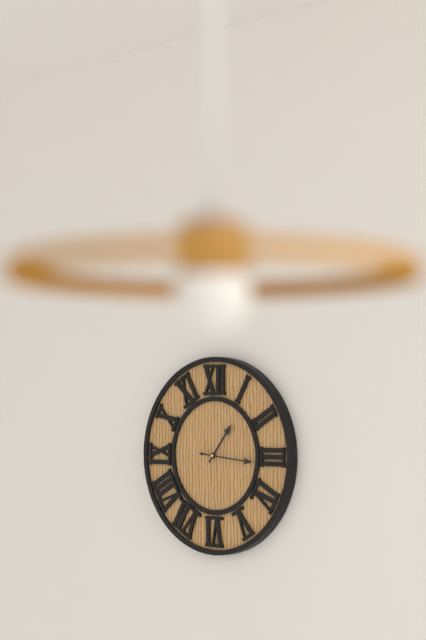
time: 1:16
